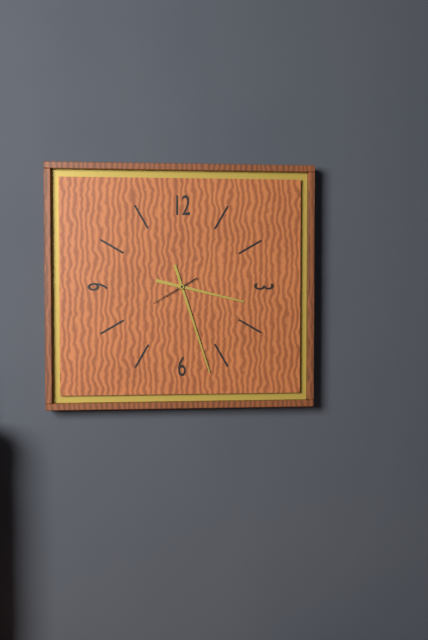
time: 3:27
